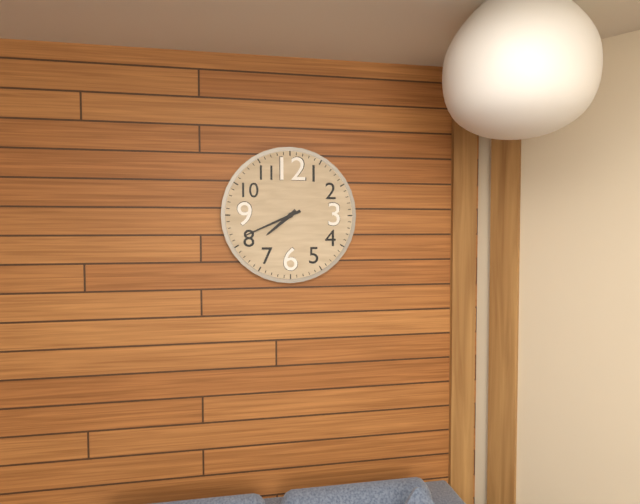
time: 7:41
